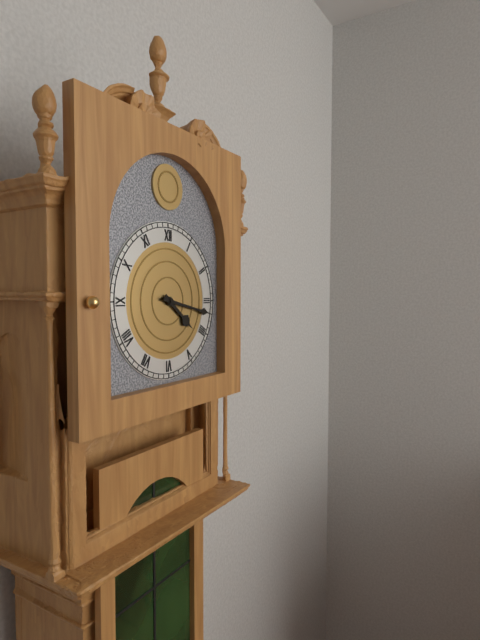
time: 4:17
